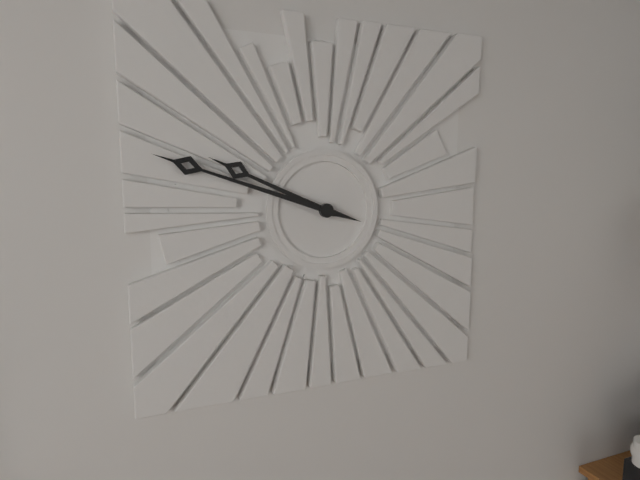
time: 9:48
